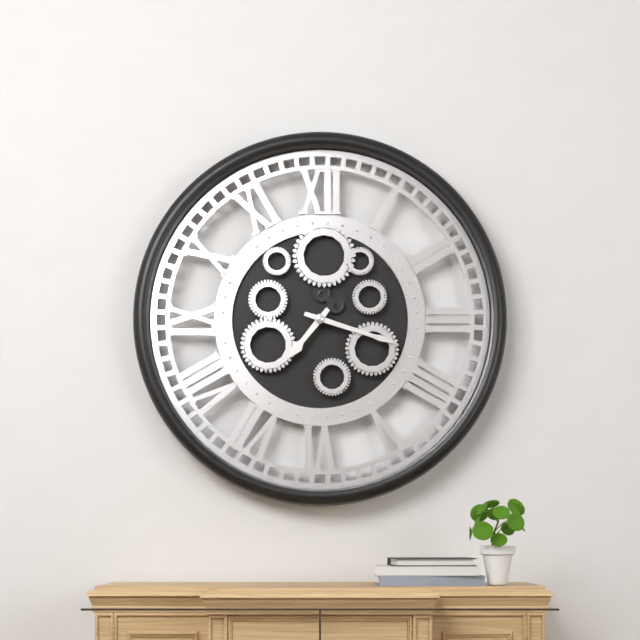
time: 7:18
